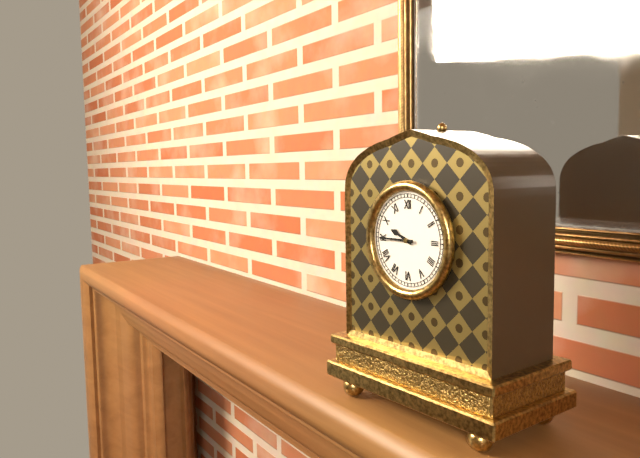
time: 9:45
